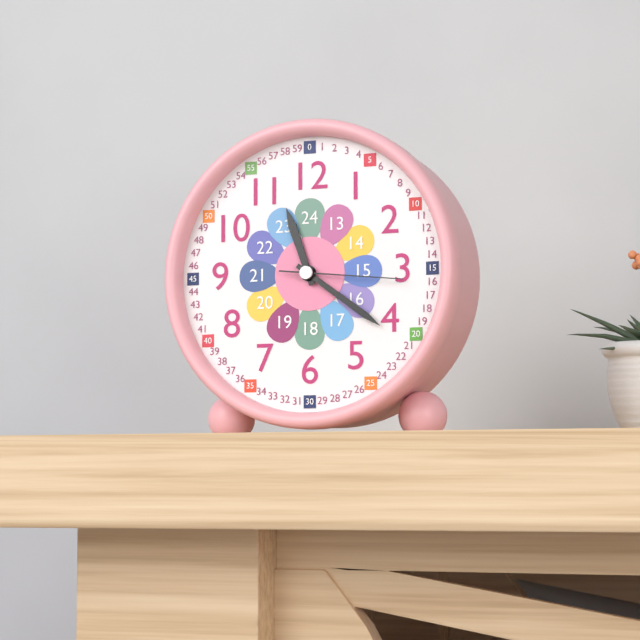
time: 11:21:16
